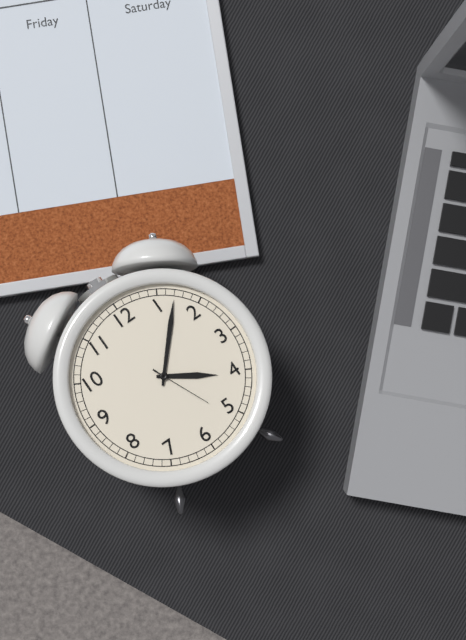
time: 4:07:26
